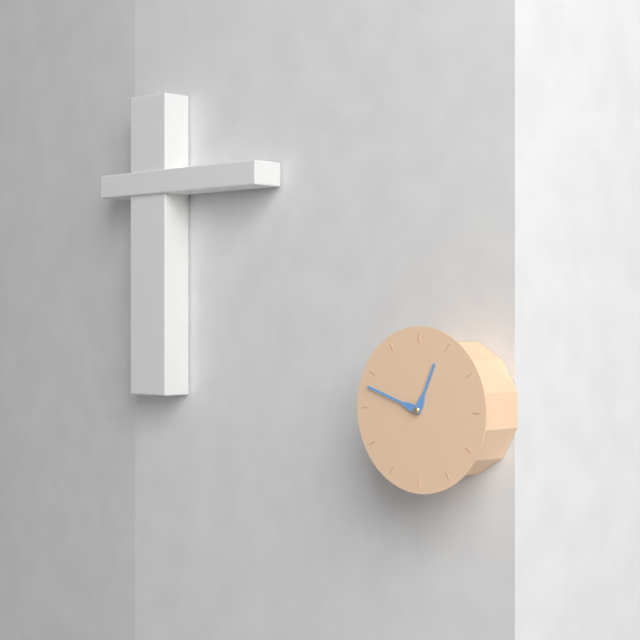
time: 12:48
